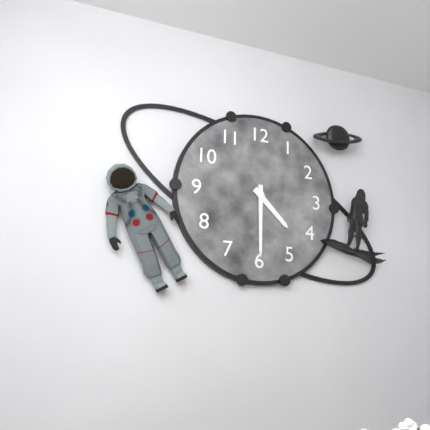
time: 4:30
